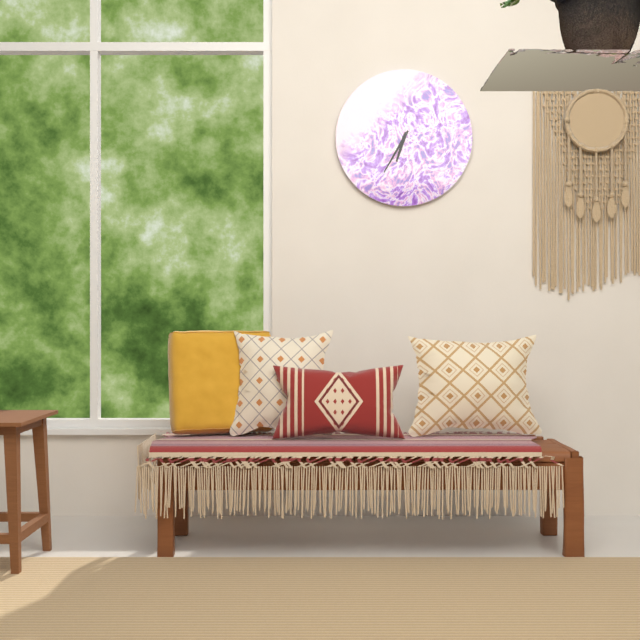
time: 6:35
